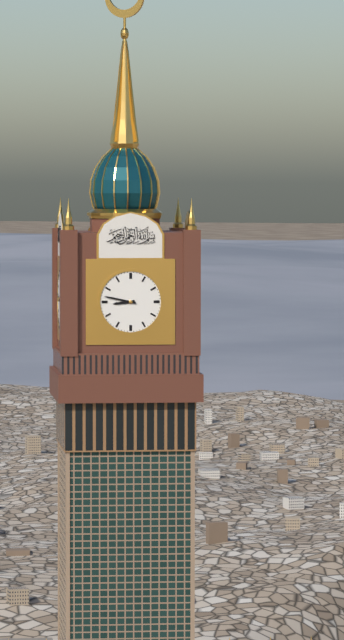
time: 8:47
